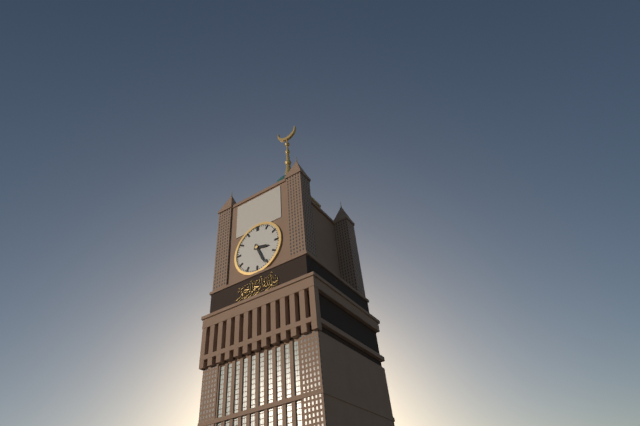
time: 3:26
